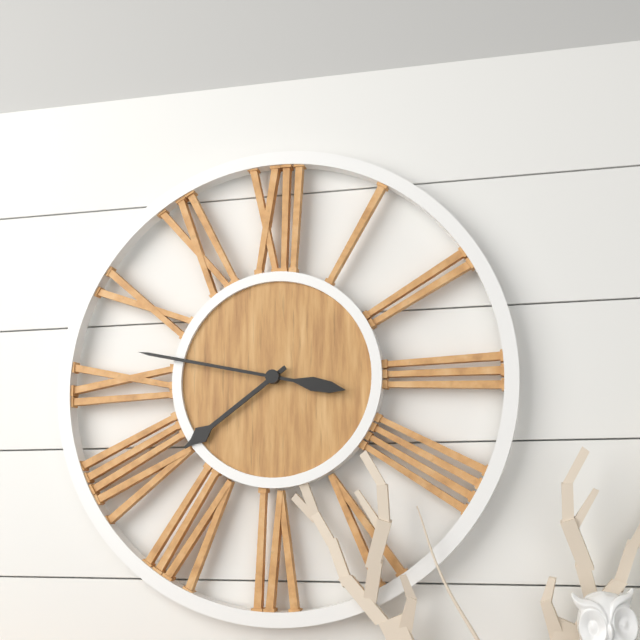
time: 7:47
